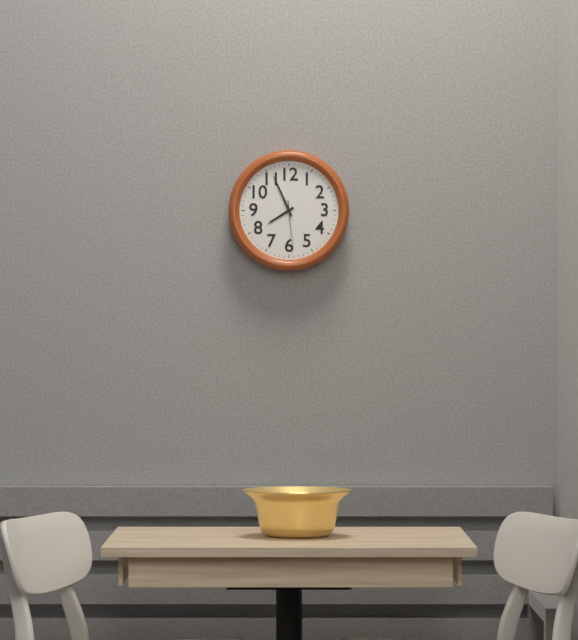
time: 7:56:29
